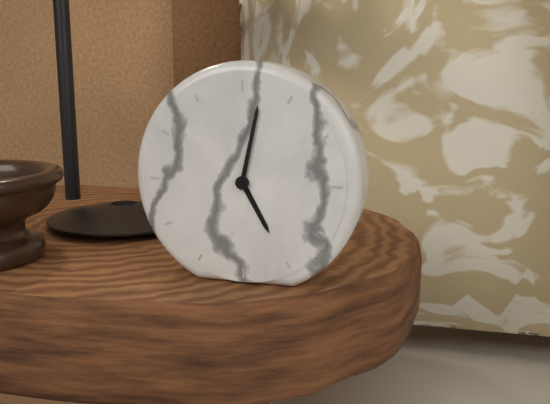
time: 5:02
